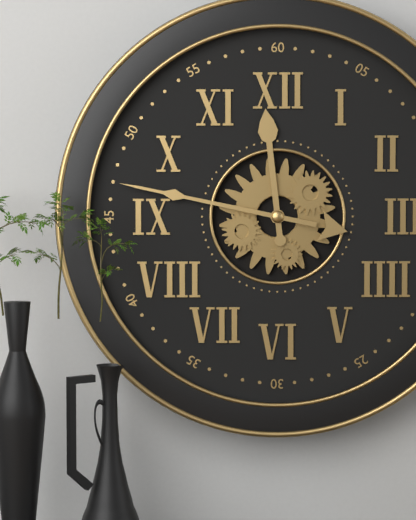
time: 11:47
